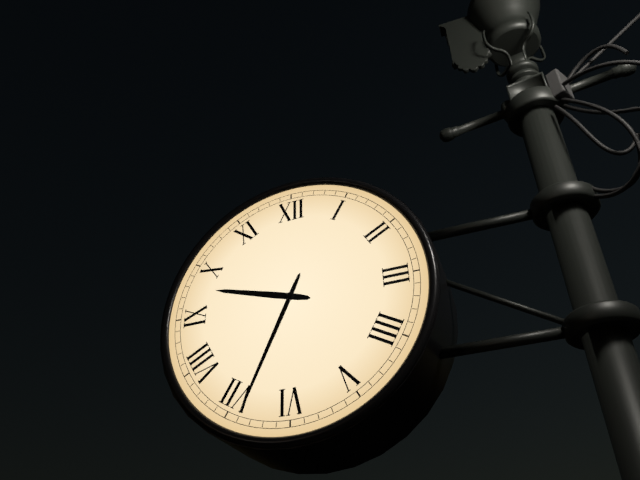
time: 9:34
